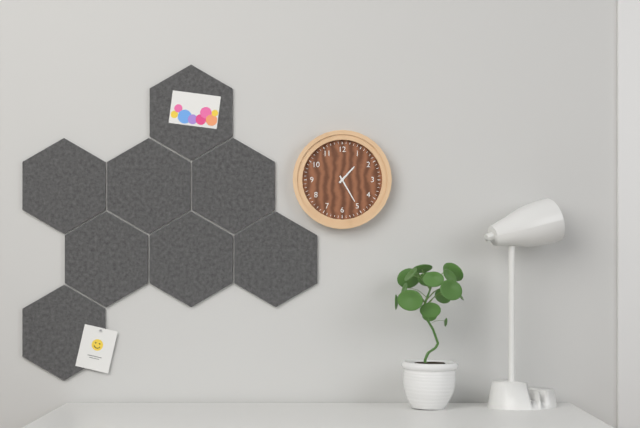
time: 1:25
